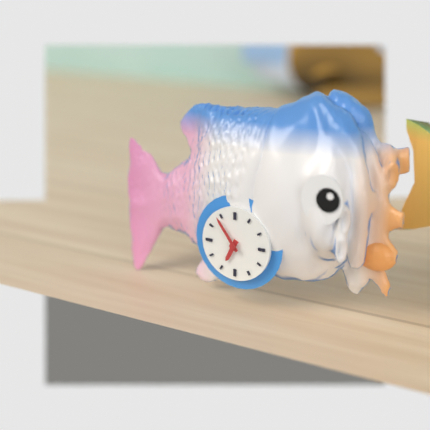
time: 6:54
